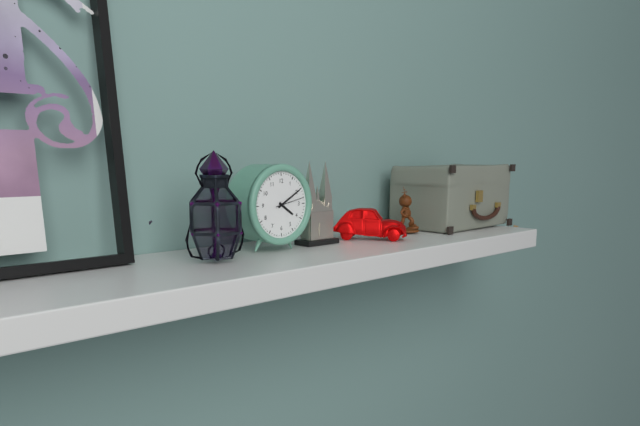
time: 4:10
